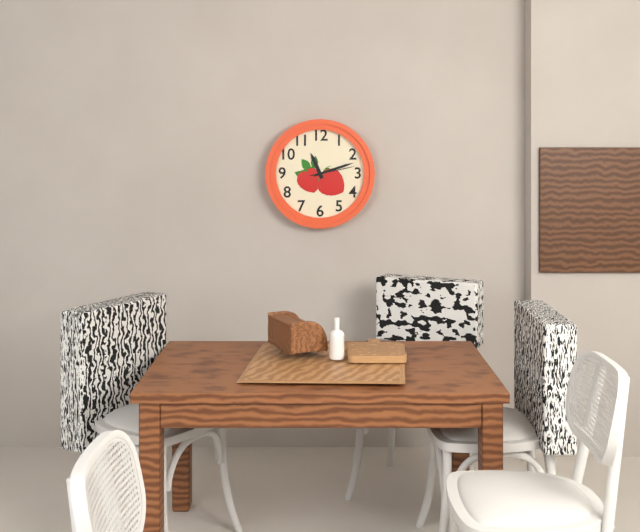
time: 11:12
